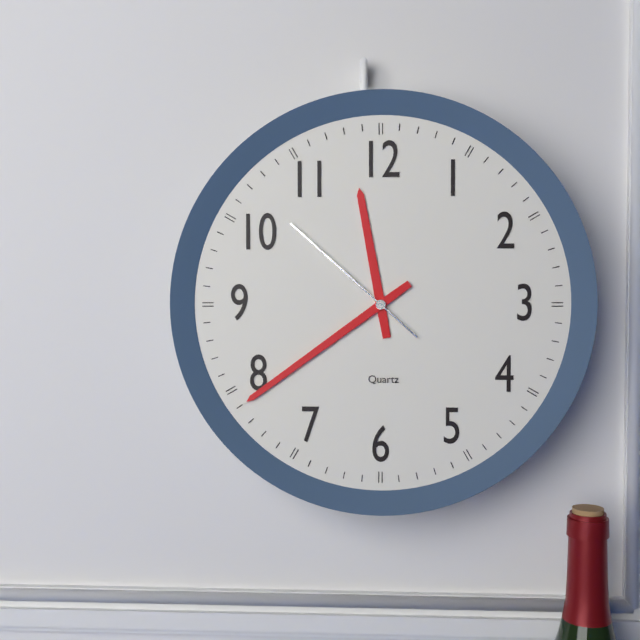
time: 11:39:52
